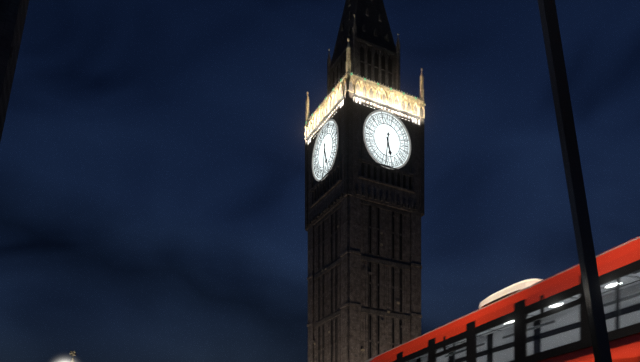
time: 5:31
